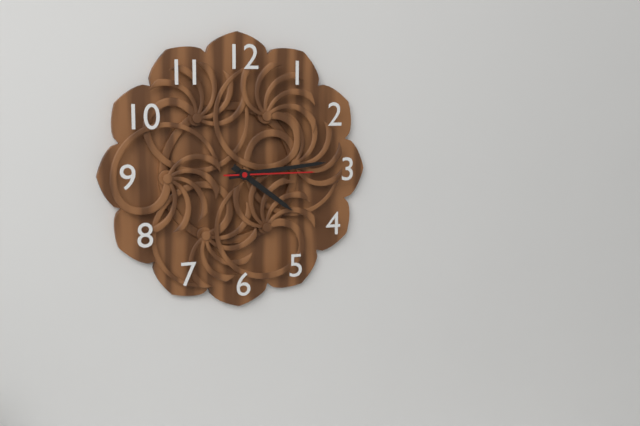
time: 4:14:15
